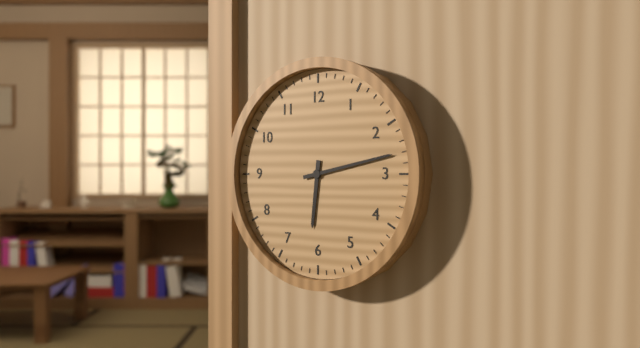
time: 6:13
